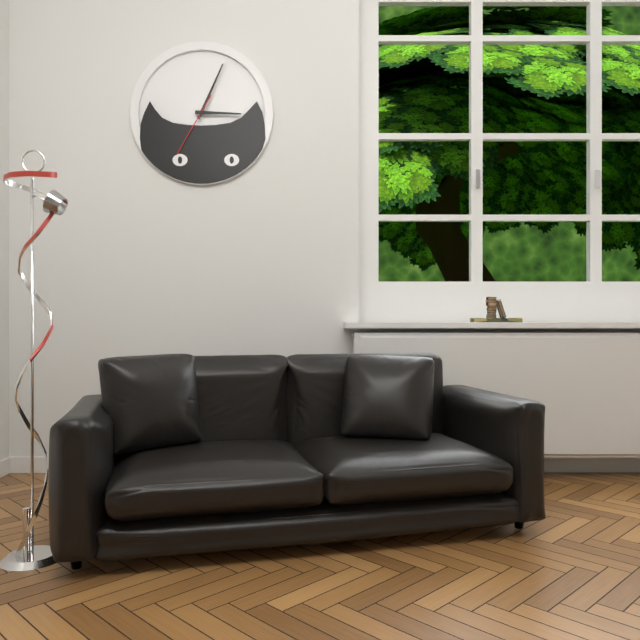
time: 3:04:35
